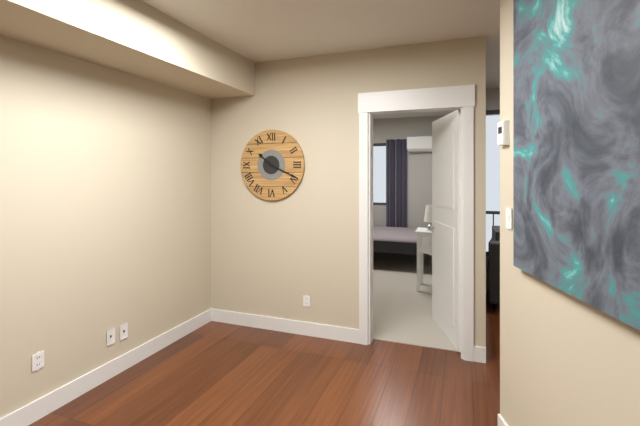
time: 10:19
